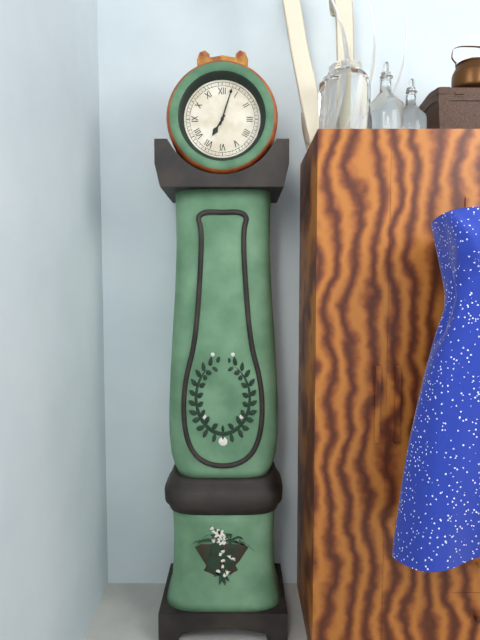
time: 7:03
